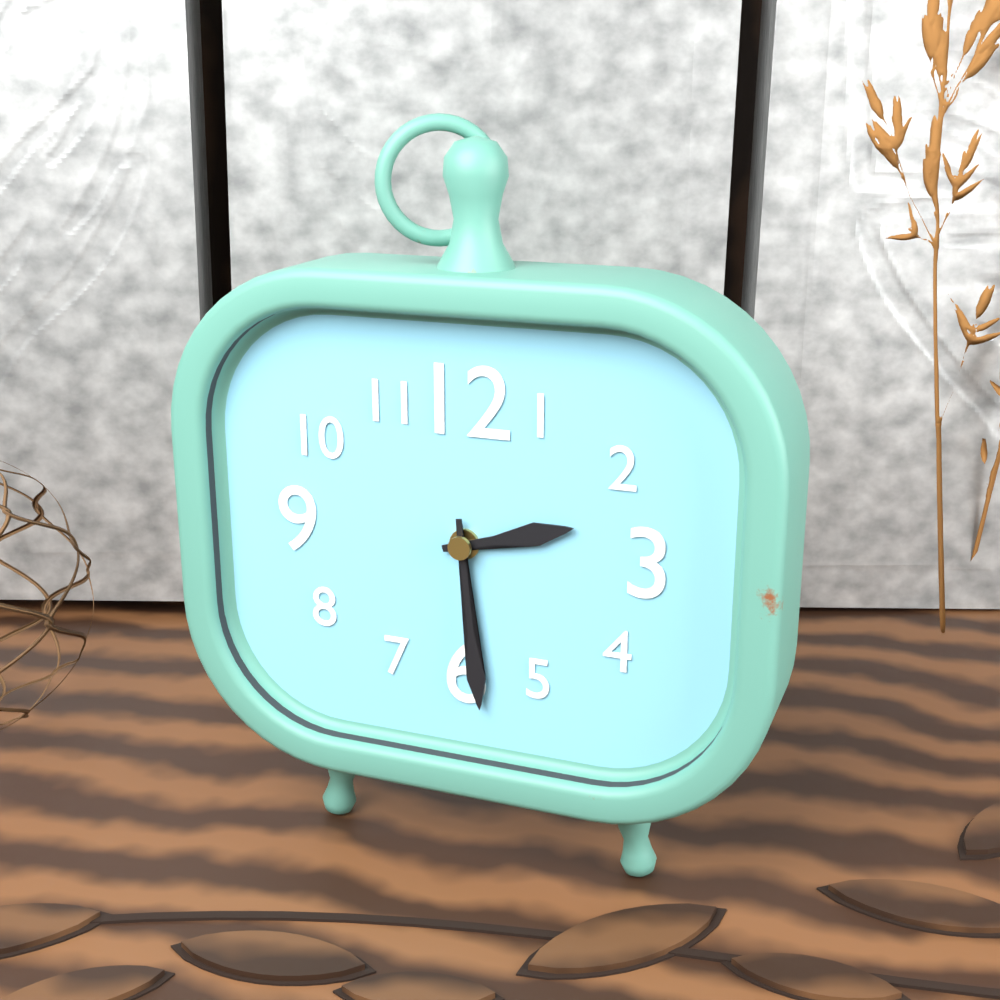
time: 2:29
